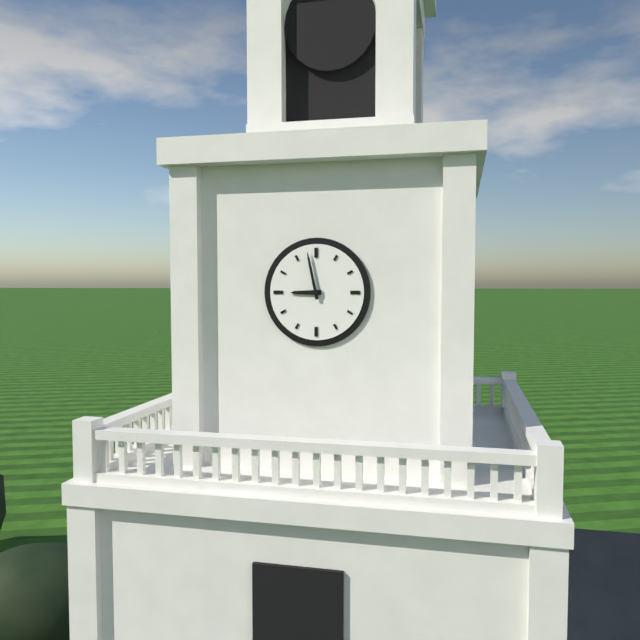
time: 8:58
